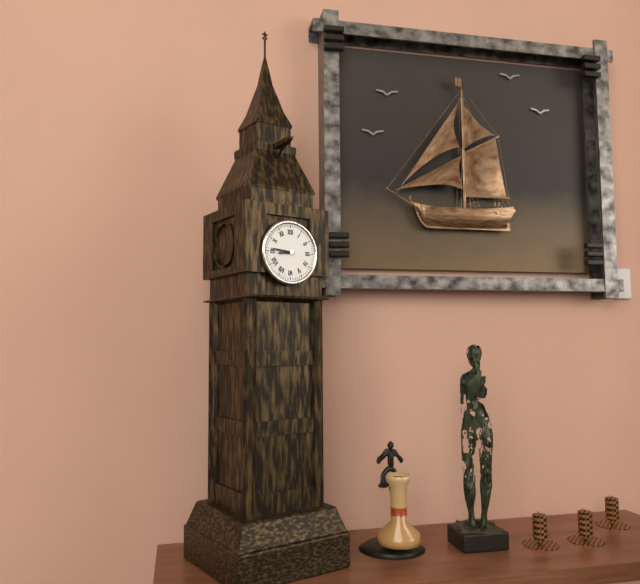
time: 8:46
